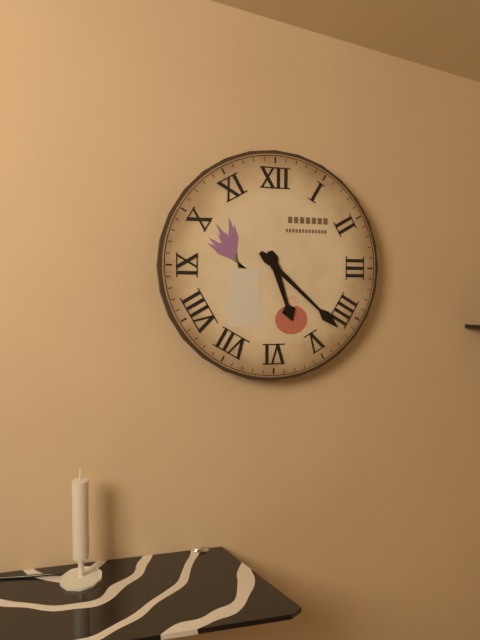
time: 5:22
